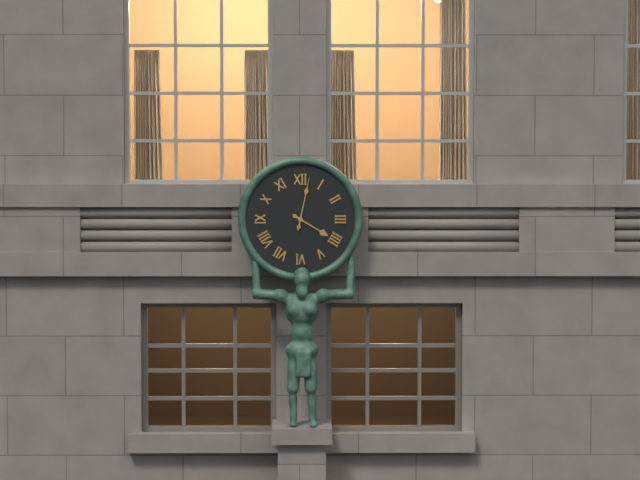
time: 4:02
